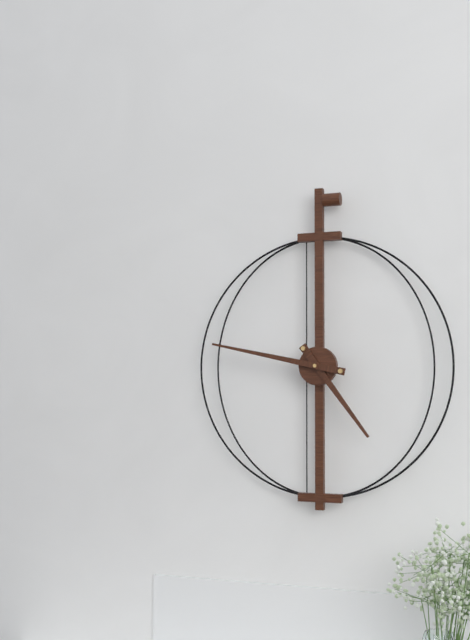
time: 4:47
